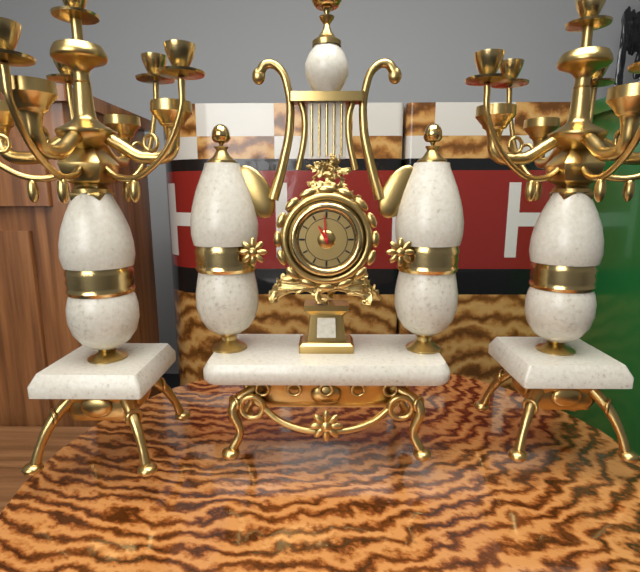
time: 10:59
